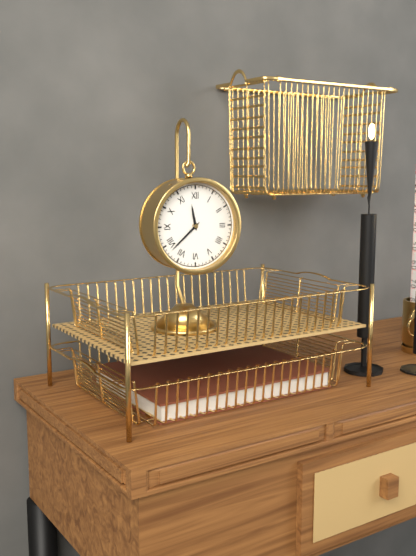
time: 11:38
